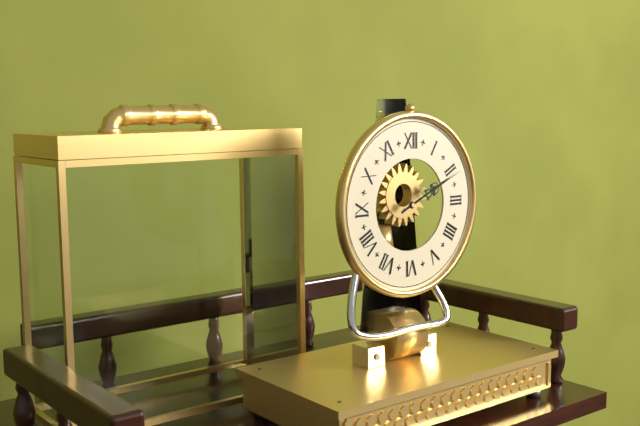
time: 2:11
